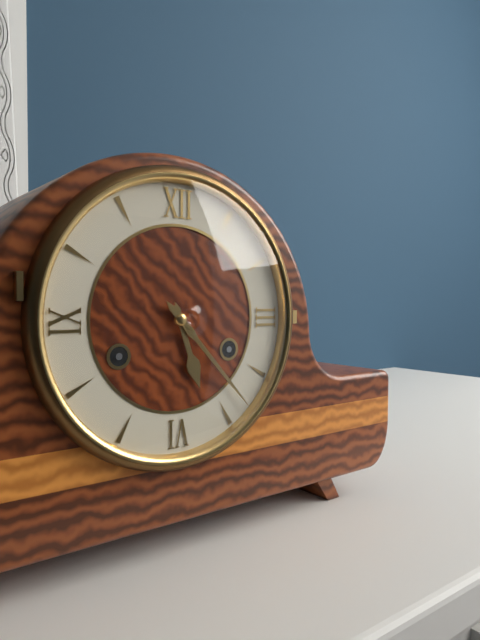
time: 5:23
